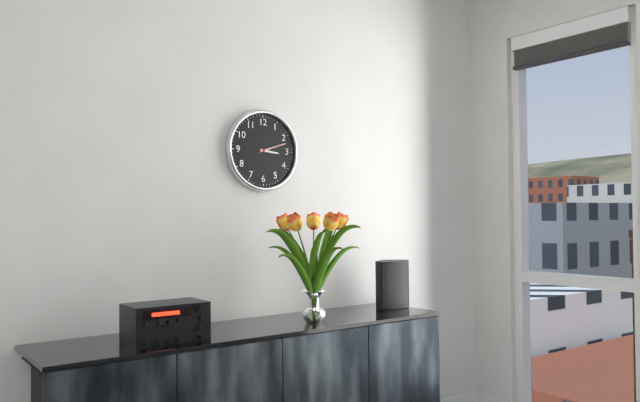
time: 3:12
